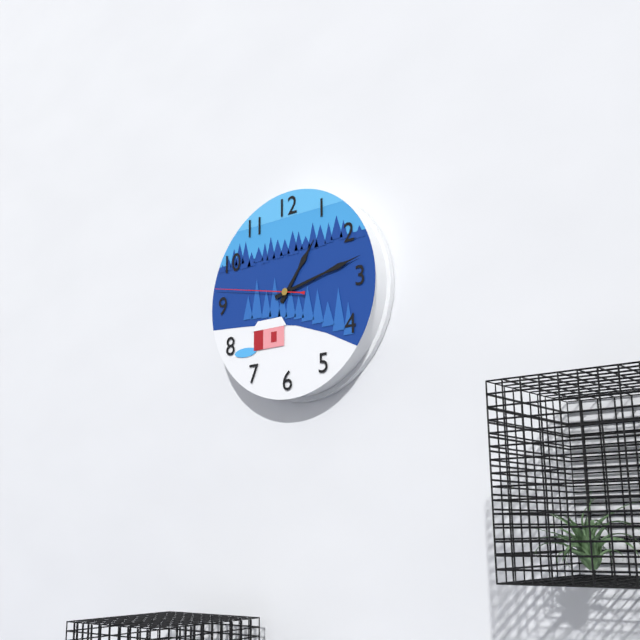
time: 1:13:47
